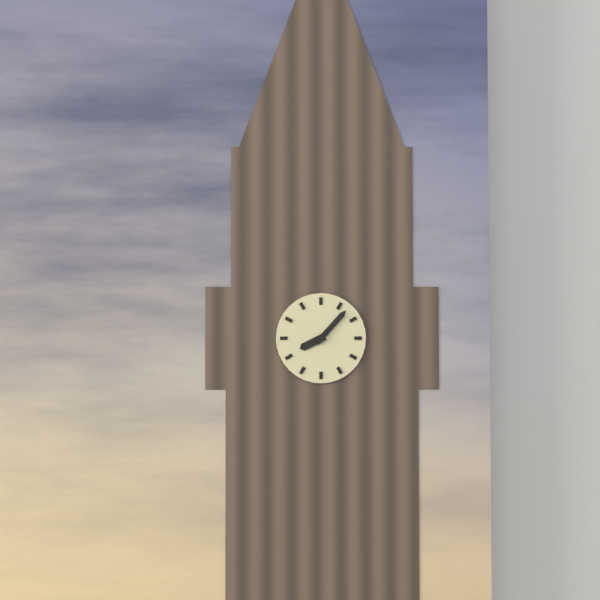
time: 8:07
